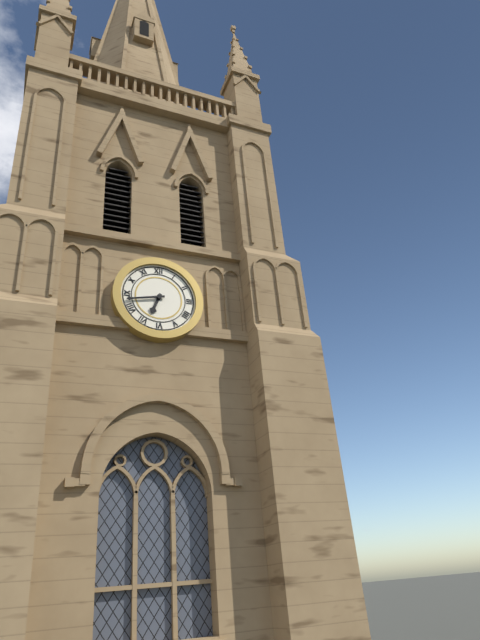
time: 6:43
